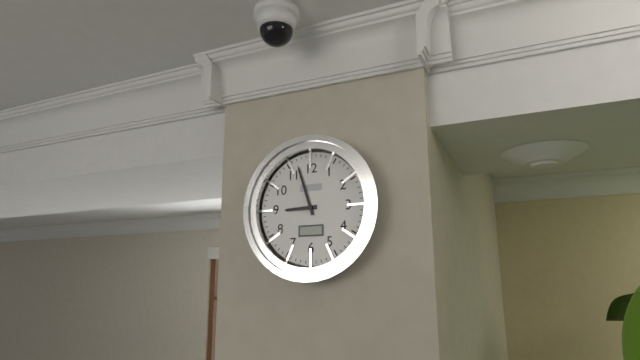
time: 8:57
